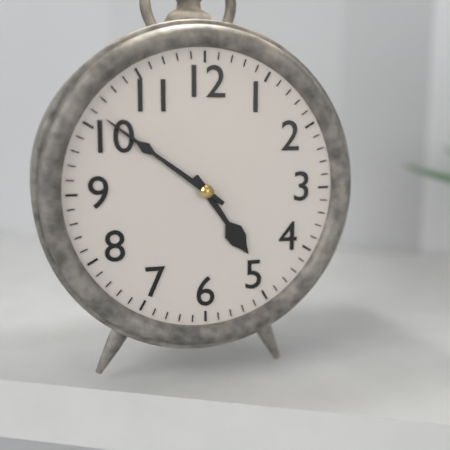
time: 4:51
